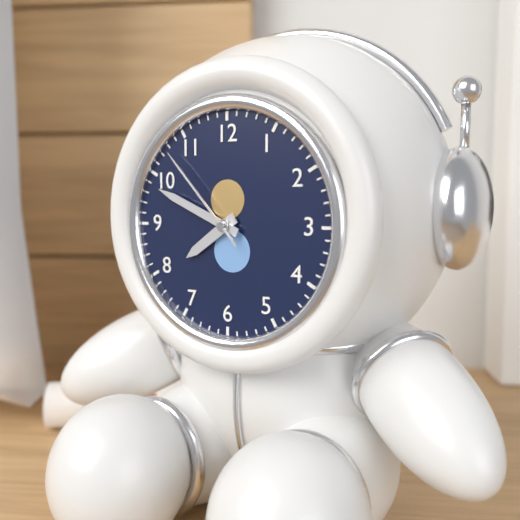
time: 7:49:53
